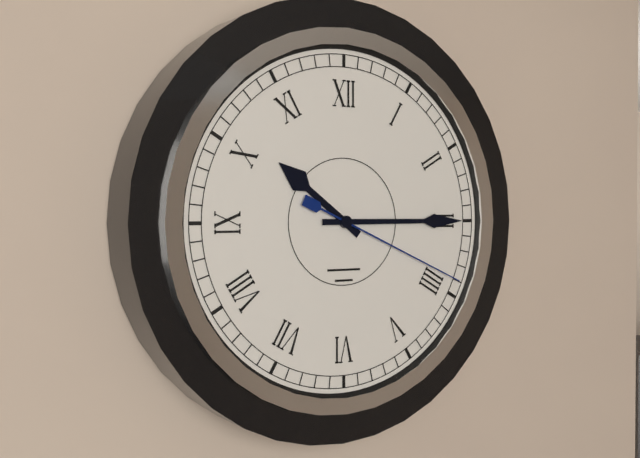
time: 10:15:19
